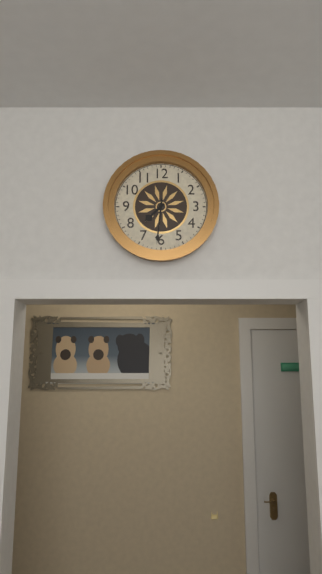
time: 7:31
